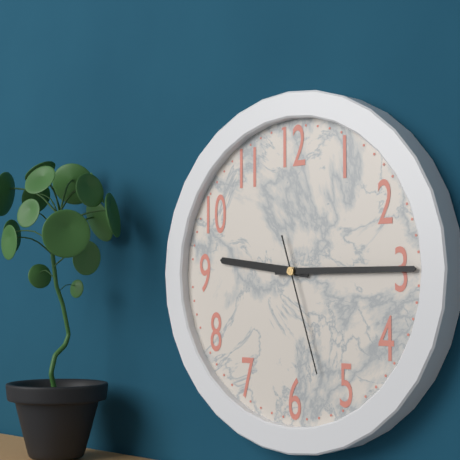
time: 9:15:27
